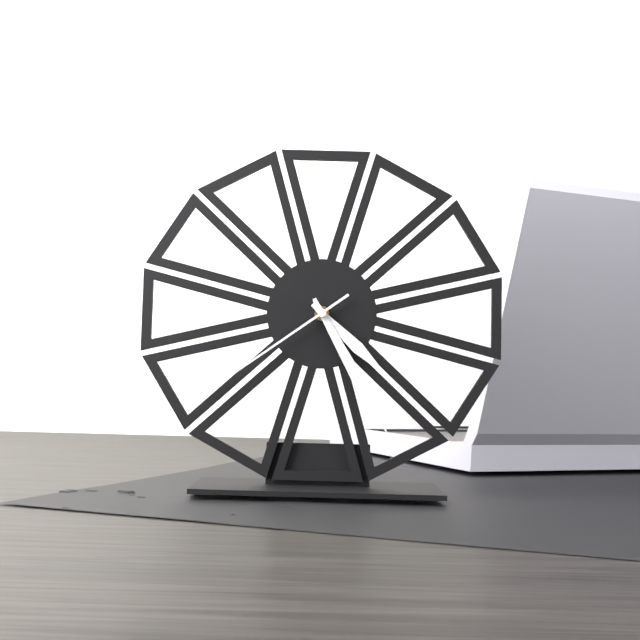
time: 4:25:39
